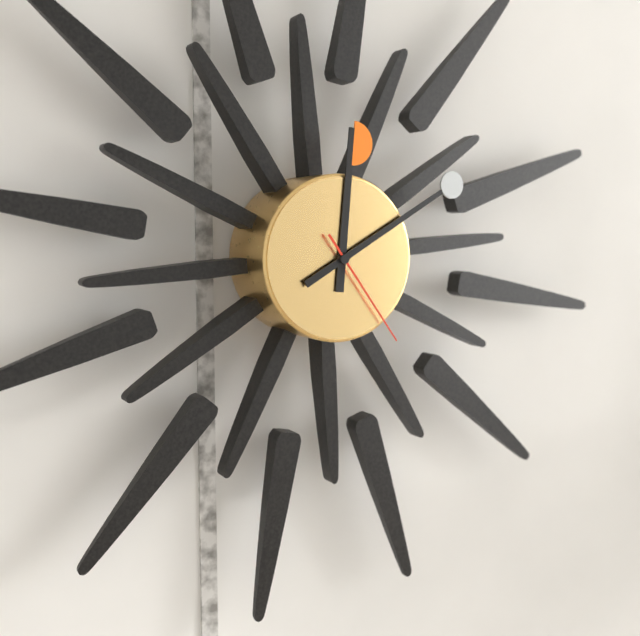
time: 12:10:24
